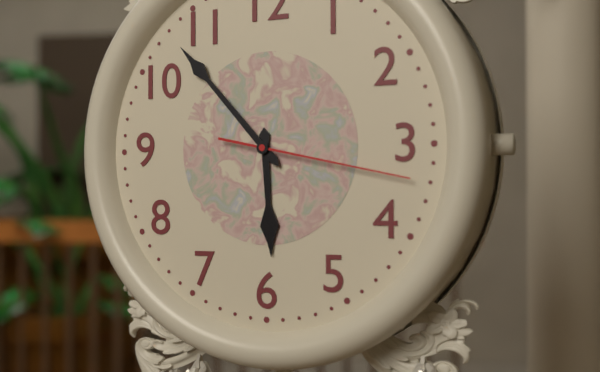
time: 5:53:17
